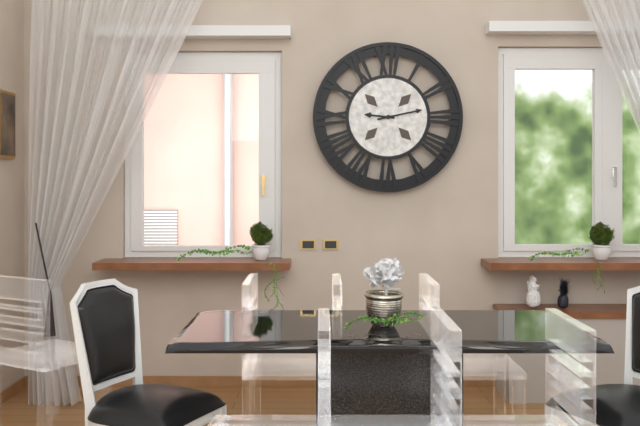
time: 9:13
